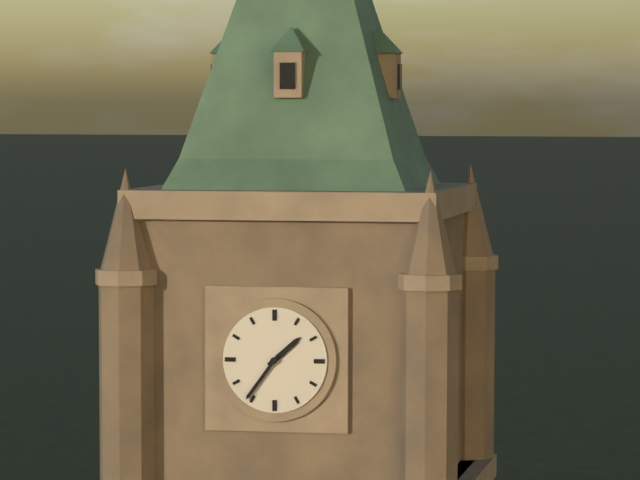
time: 1:36
